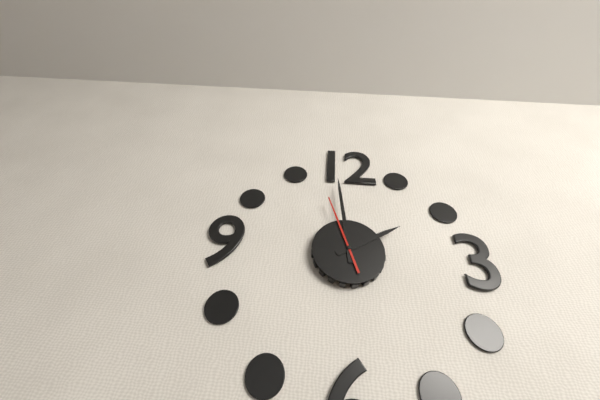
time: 1:59:57
